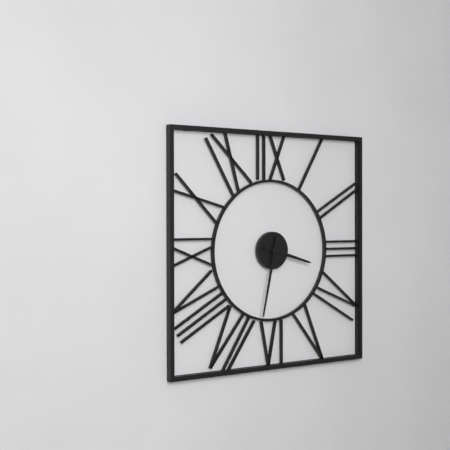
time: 3:32
